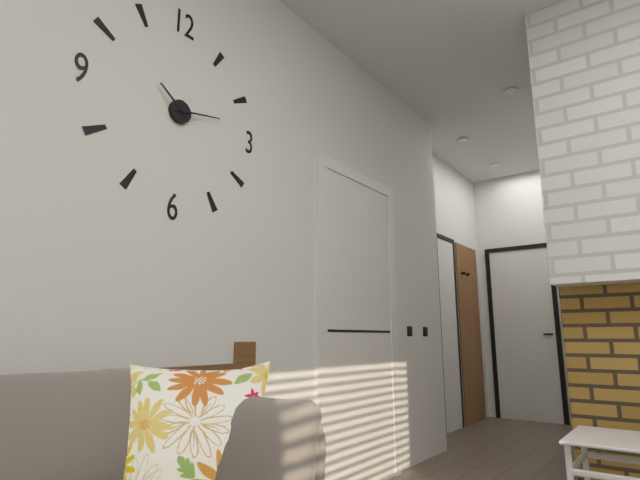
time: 10:13
